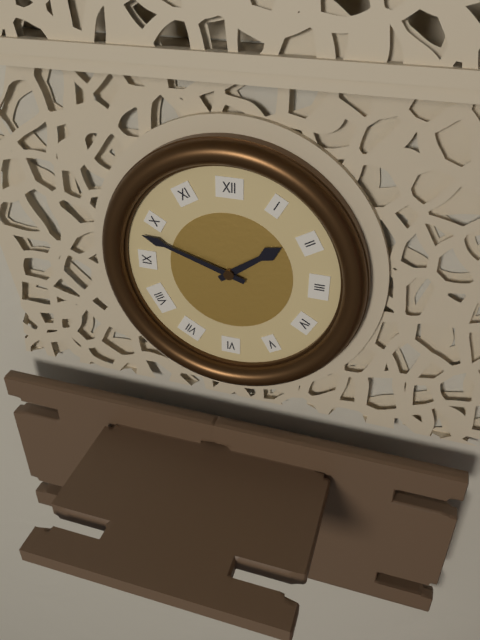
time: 1:48
